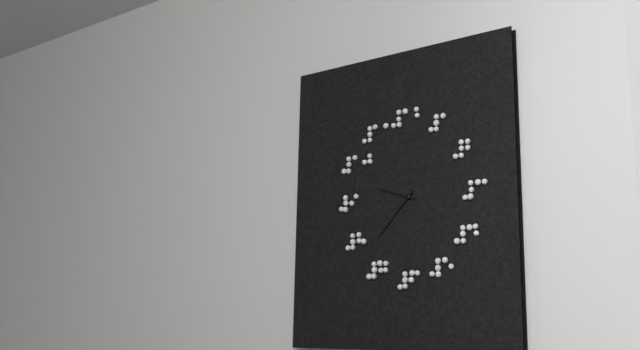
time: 9:37
